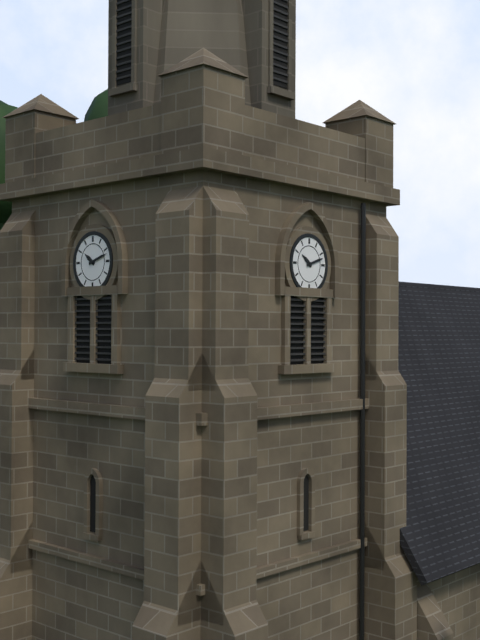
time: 10:12
